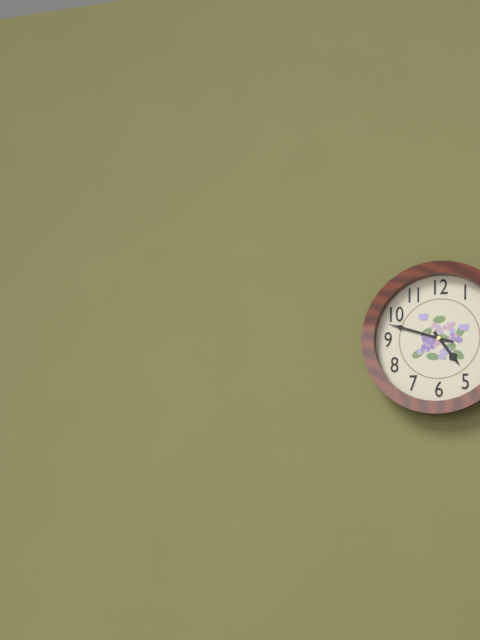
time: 4:48
